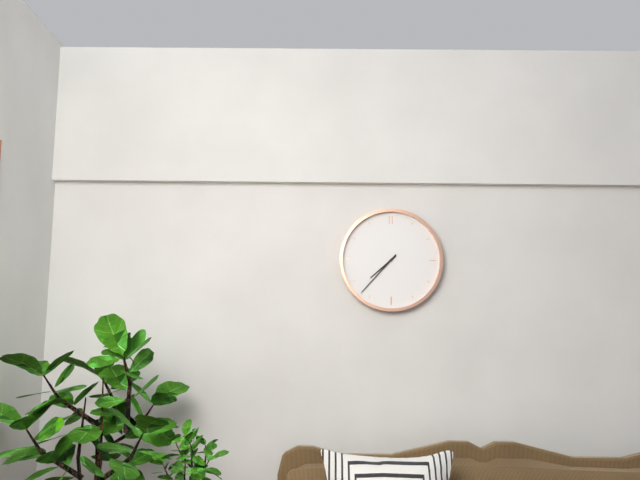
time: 7:37
